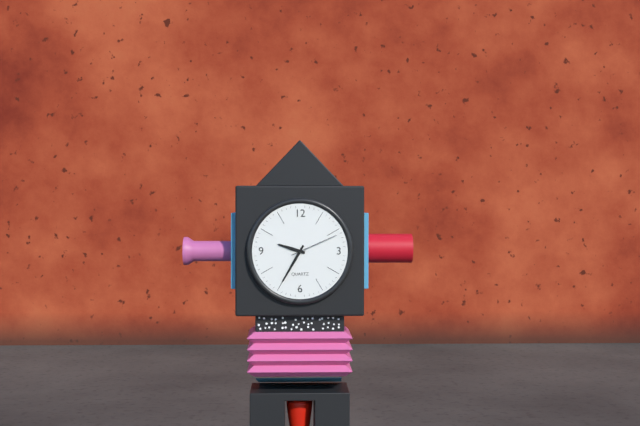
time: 9:35:11
